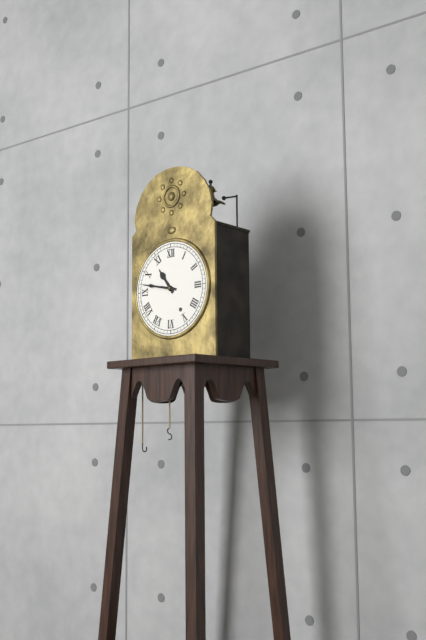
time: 10:47
